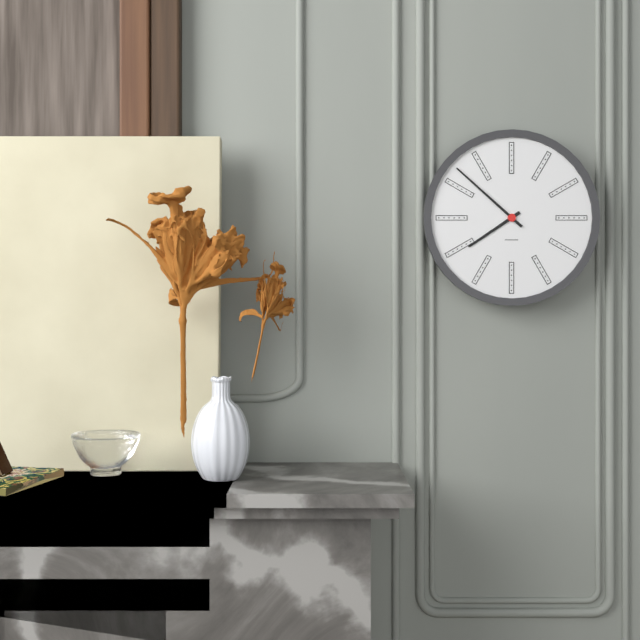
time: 7:52
